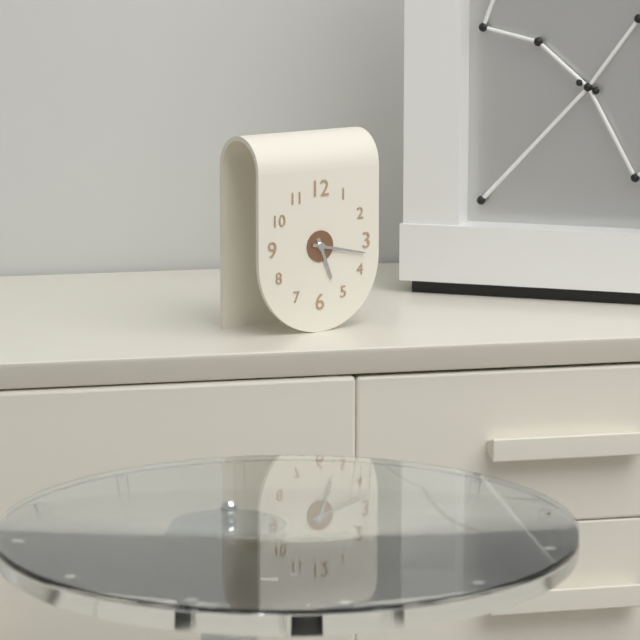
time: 5:17
